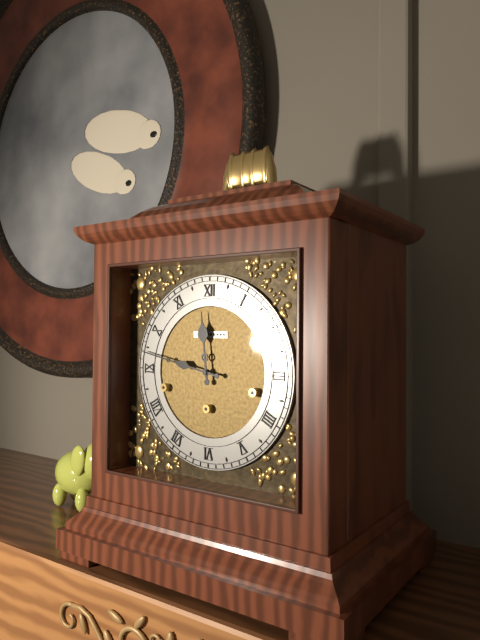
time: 11:47
